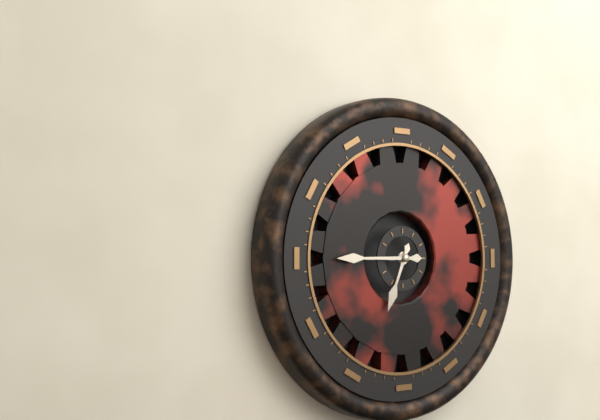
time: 6:45
